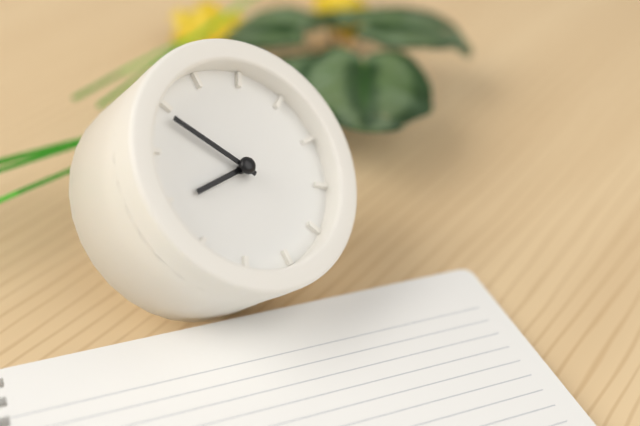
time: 8:54
